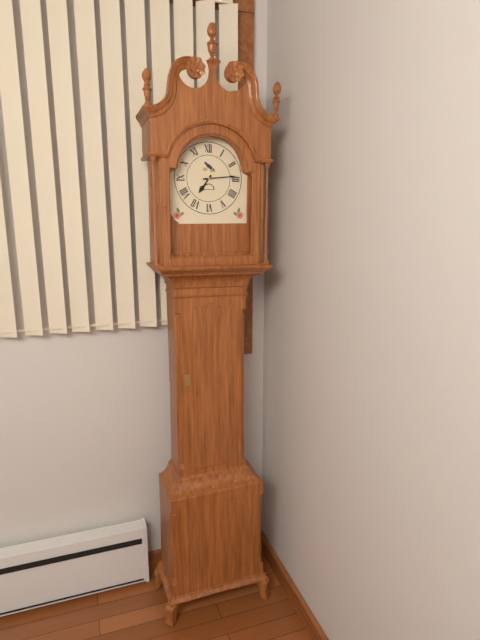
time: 7:14
